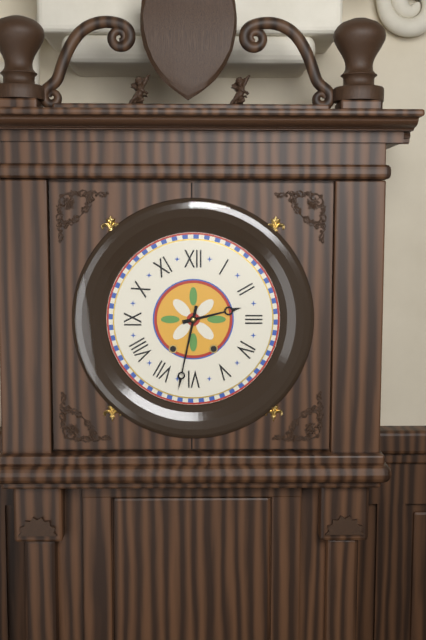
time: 2:32
